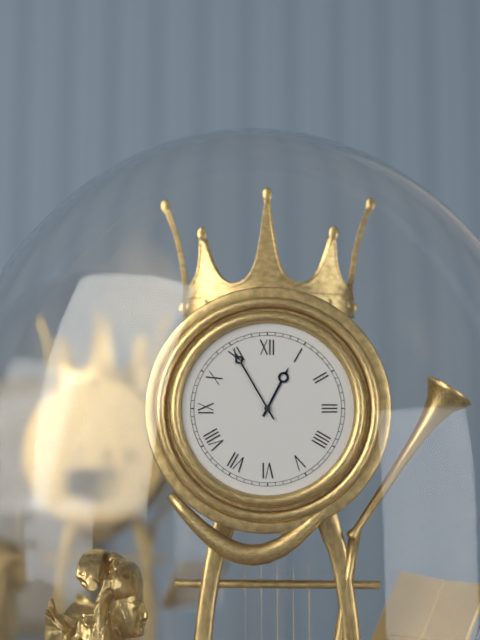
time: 12:55
